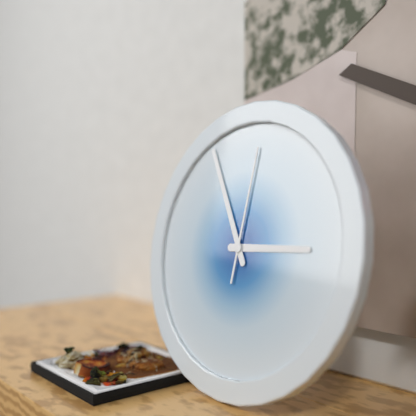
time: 2:55:01
